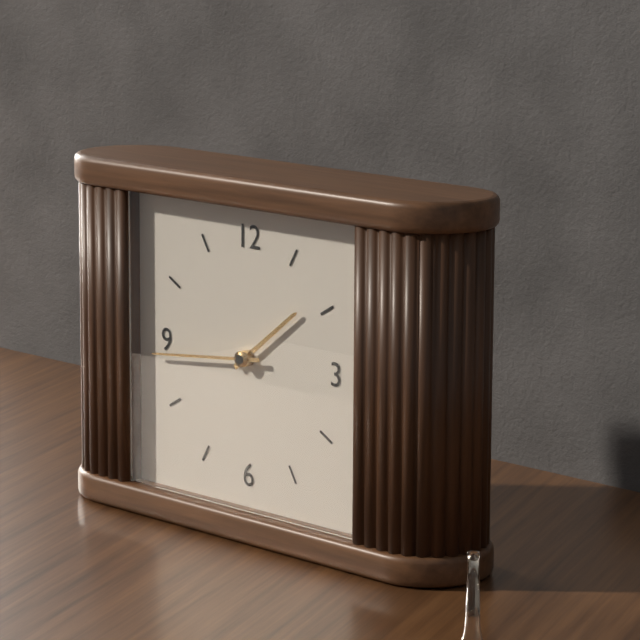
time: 1:44
